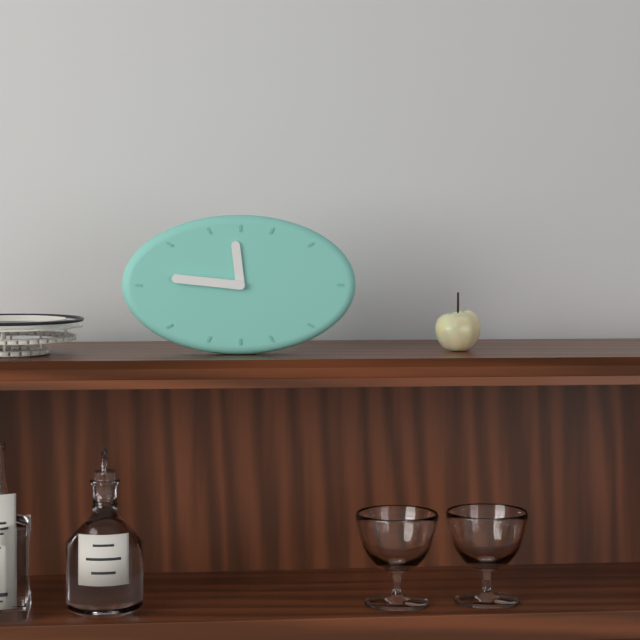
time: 11:46
